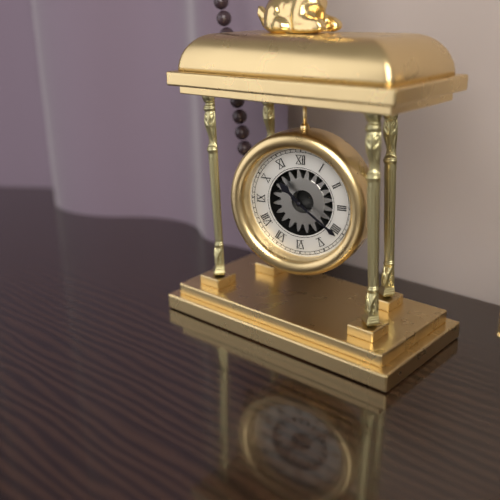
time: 10:21
